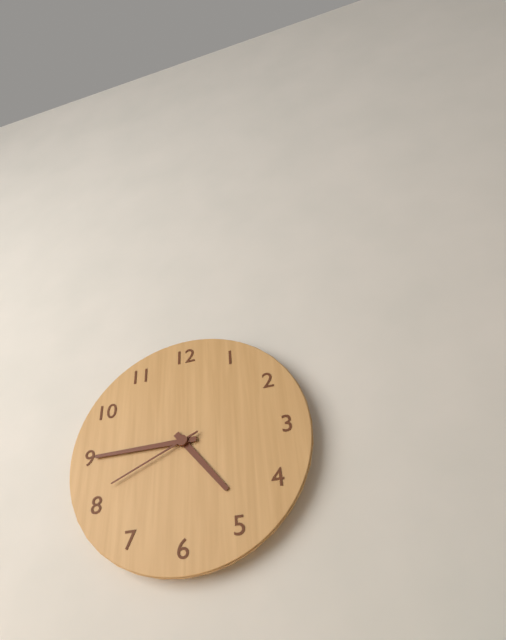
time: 4:45:41
